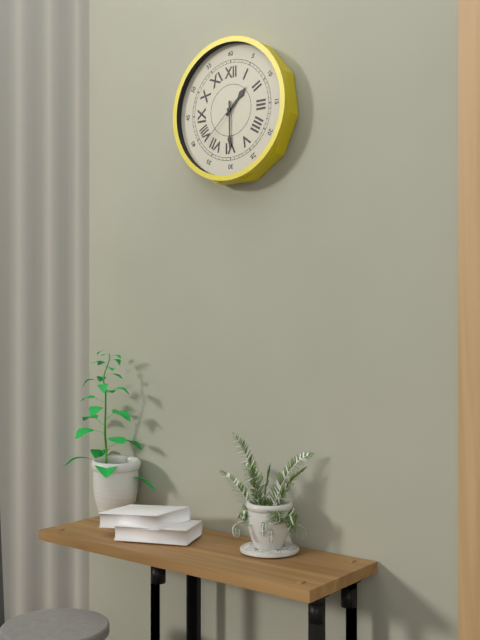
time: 1:30:38
